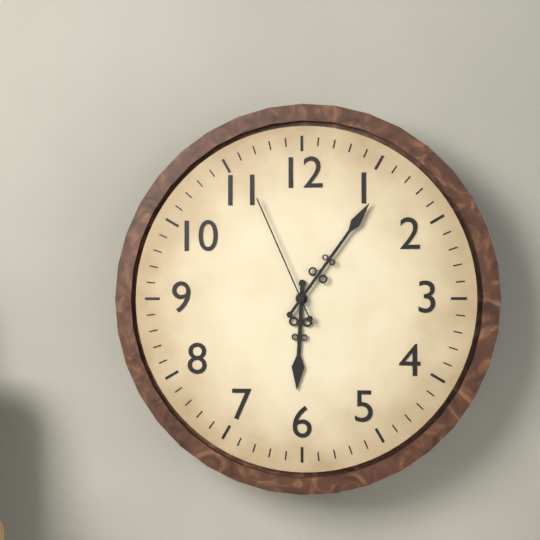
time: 6:06:56
